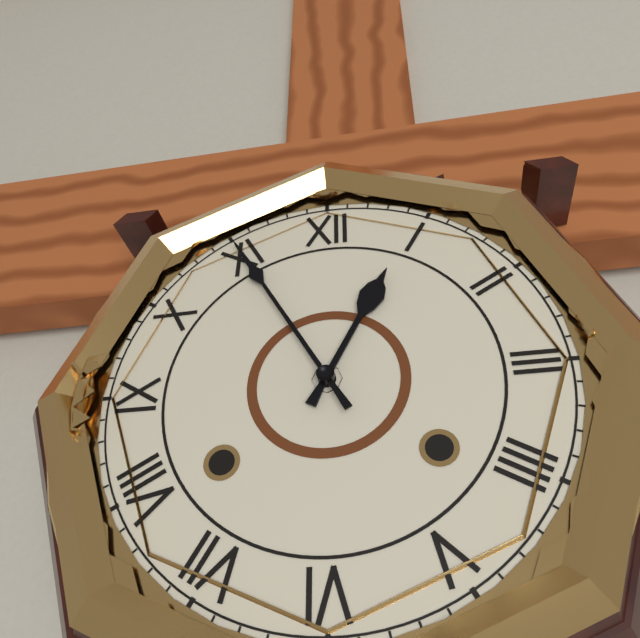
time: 12:55
